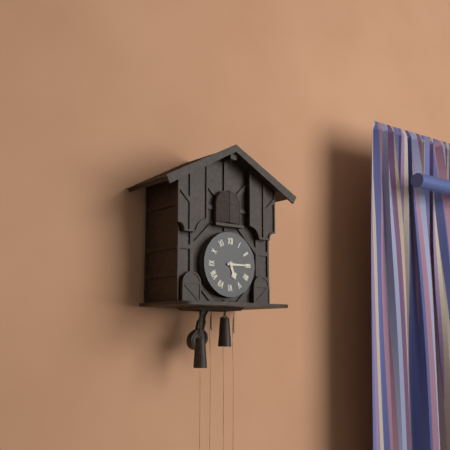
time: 5:15
